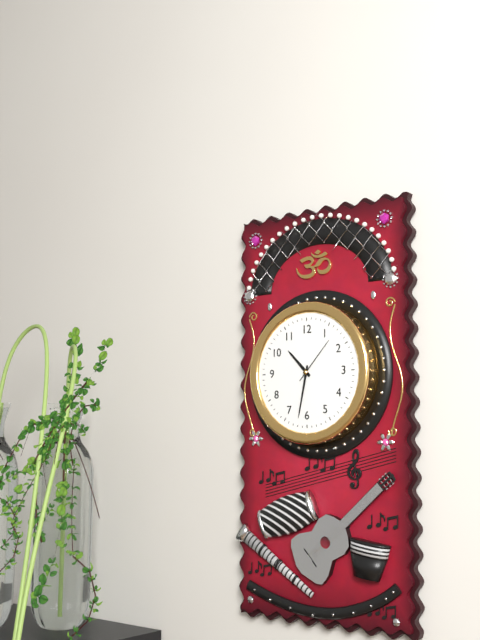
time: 10:32:07
